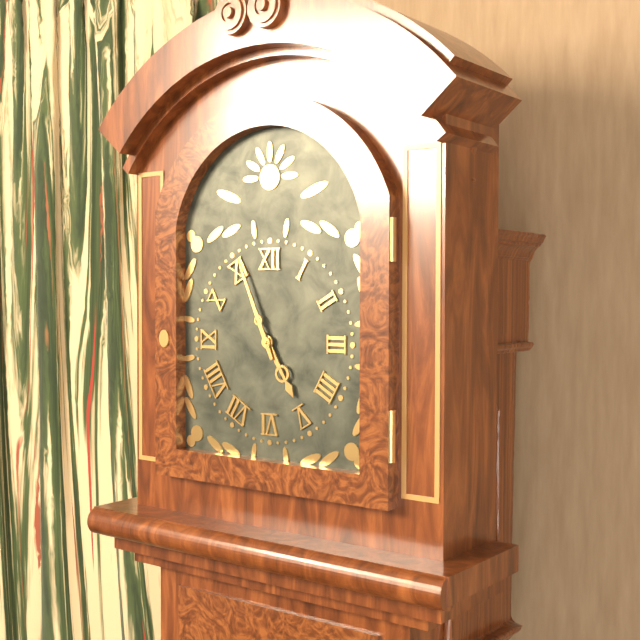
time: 4:56
